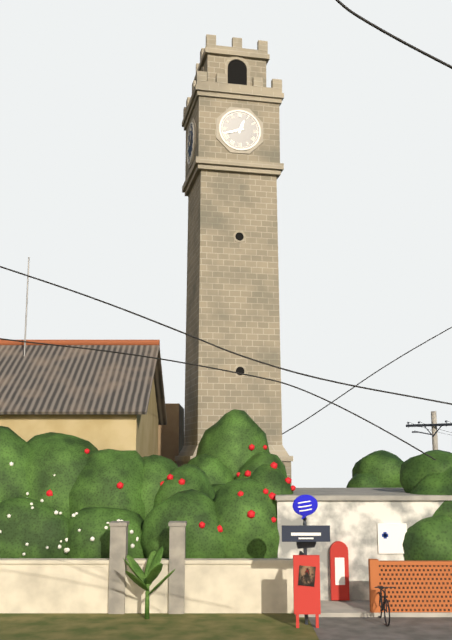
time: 12:42
